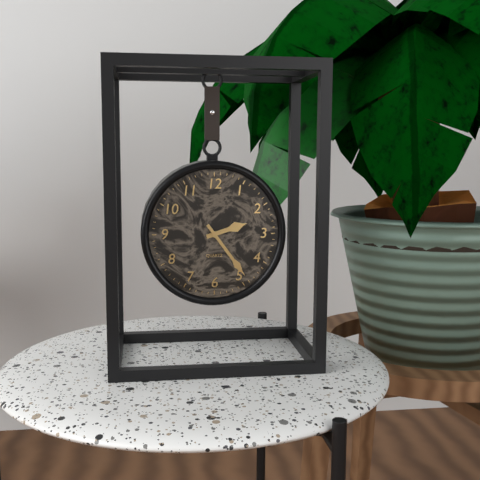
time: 2:24
